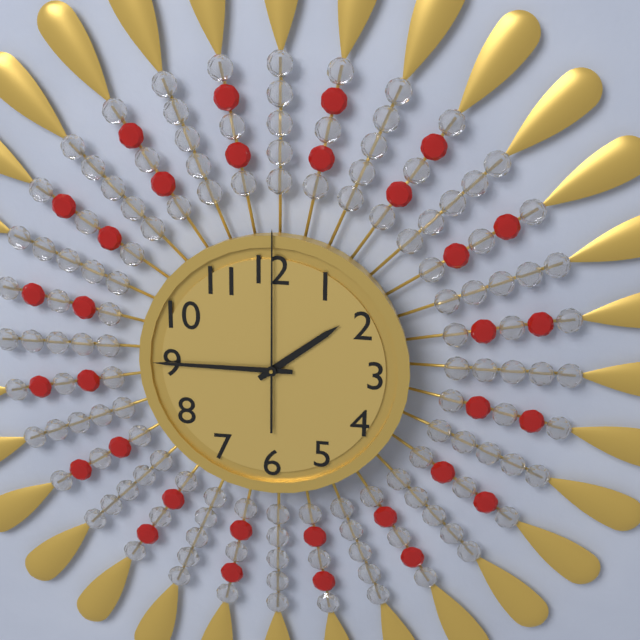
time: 1:45:00
